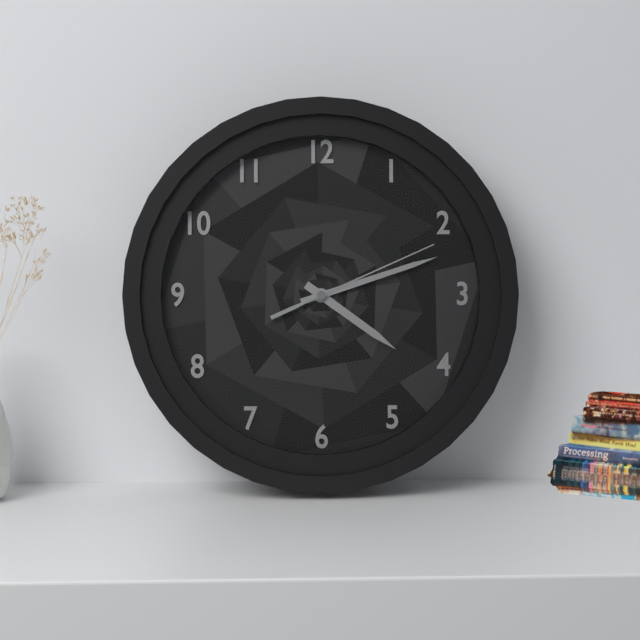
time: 4:12:11
